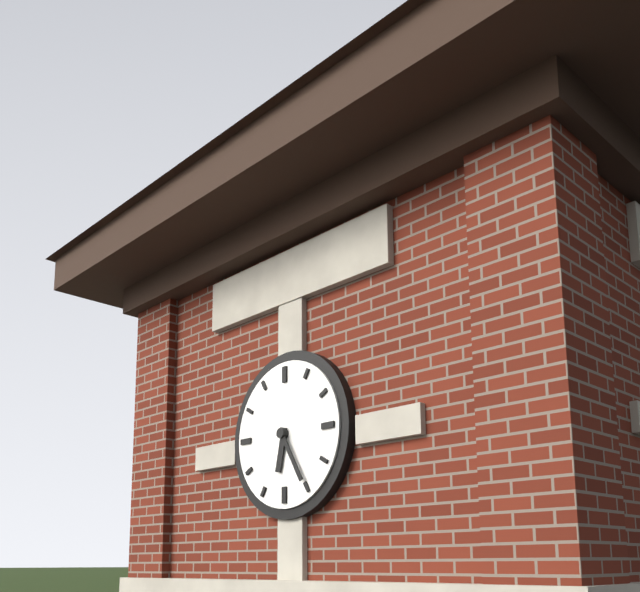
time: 6:25
